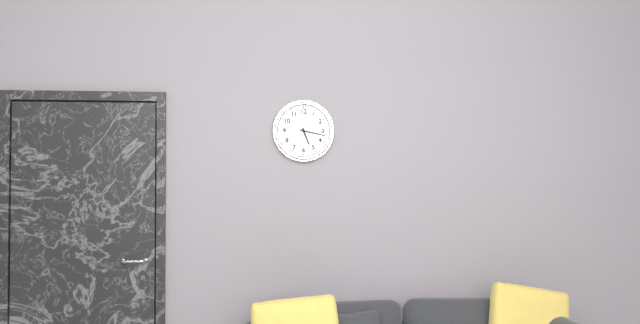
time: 5:17
